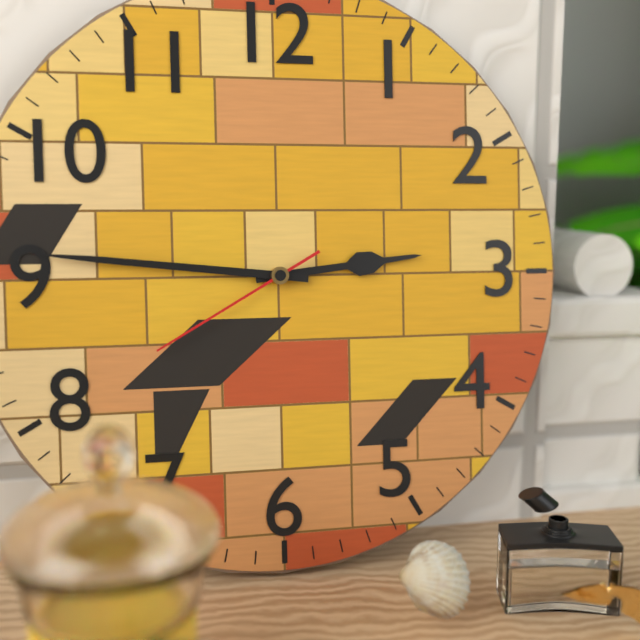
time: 2:46:40
